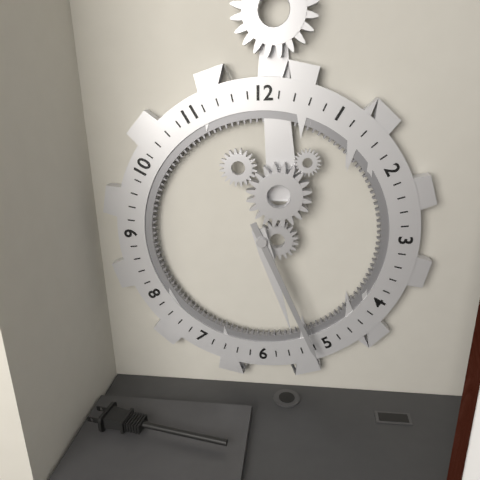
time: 5:26
